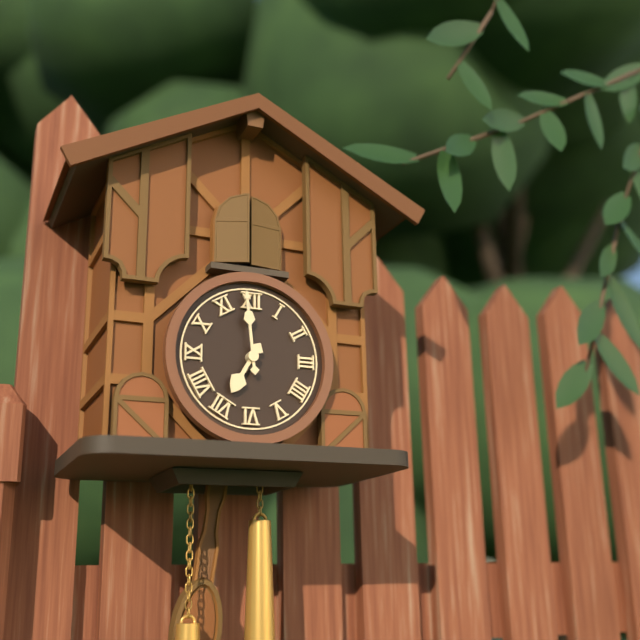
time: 6:59
